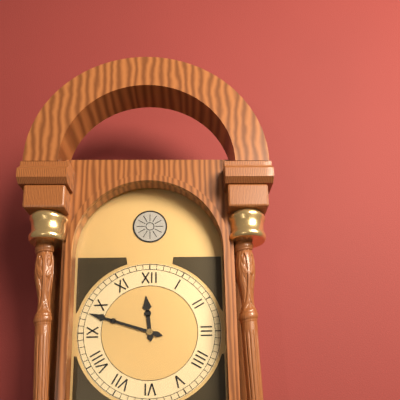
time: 11:48
